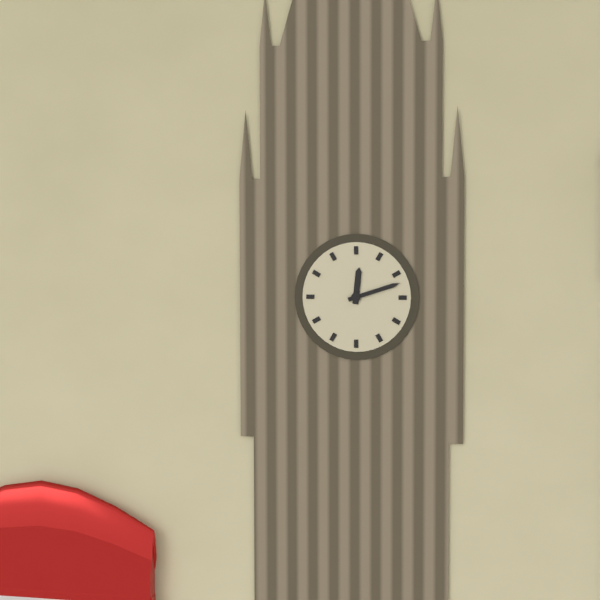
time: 12:12
